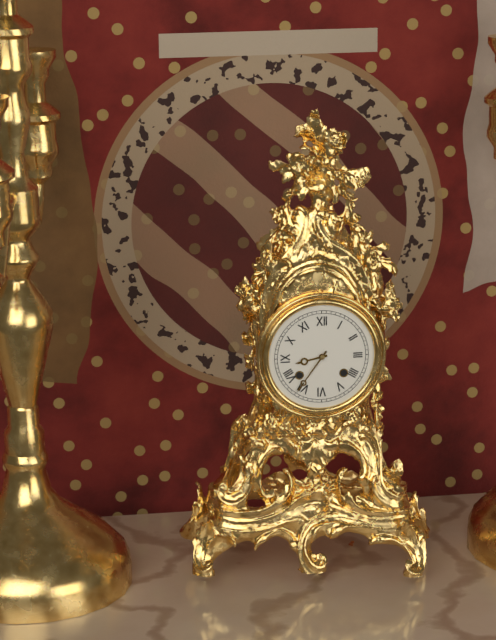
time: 8:36
